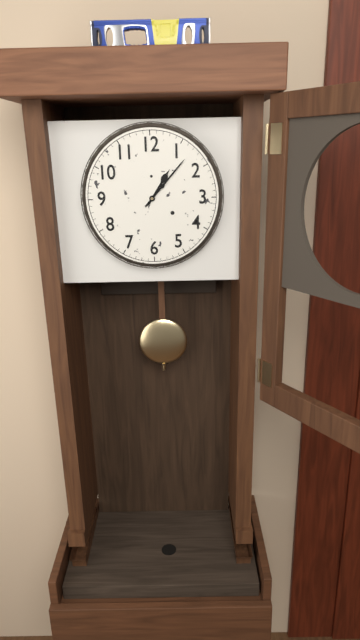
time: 1:07
